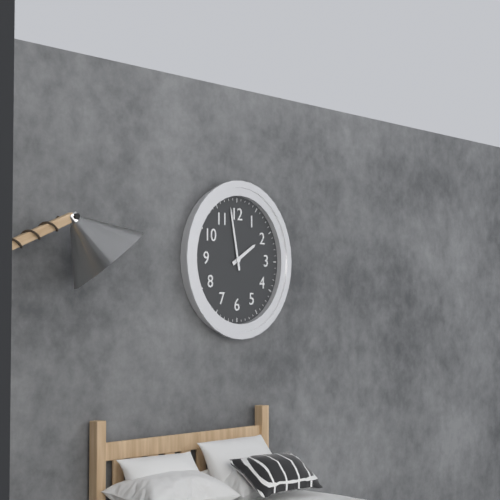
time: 1:58
